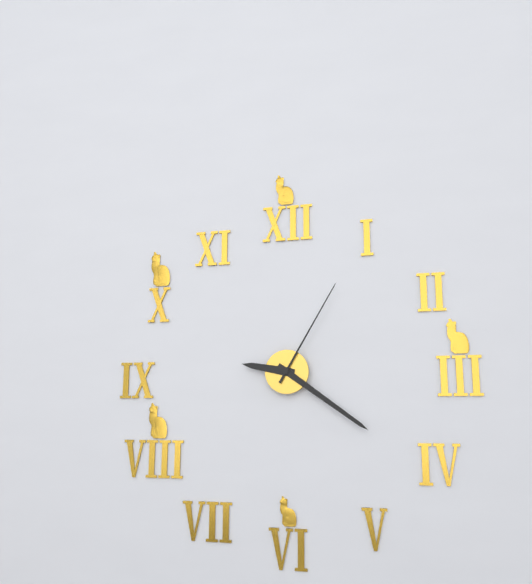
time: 9:21:05
